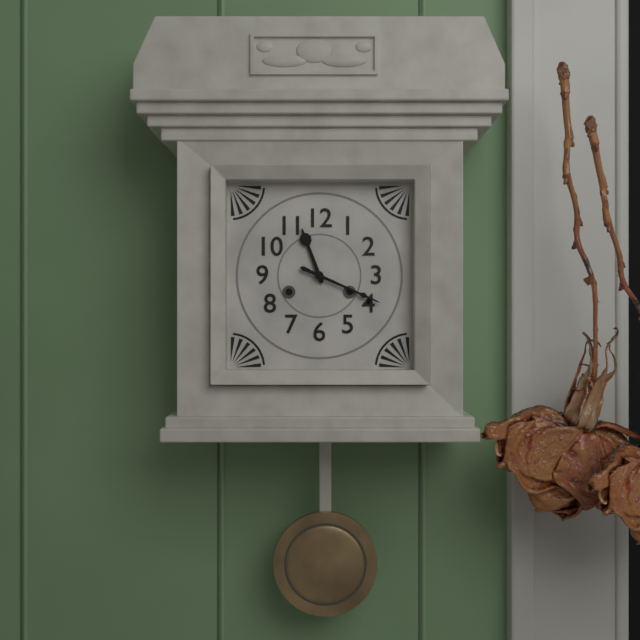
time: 11:19
